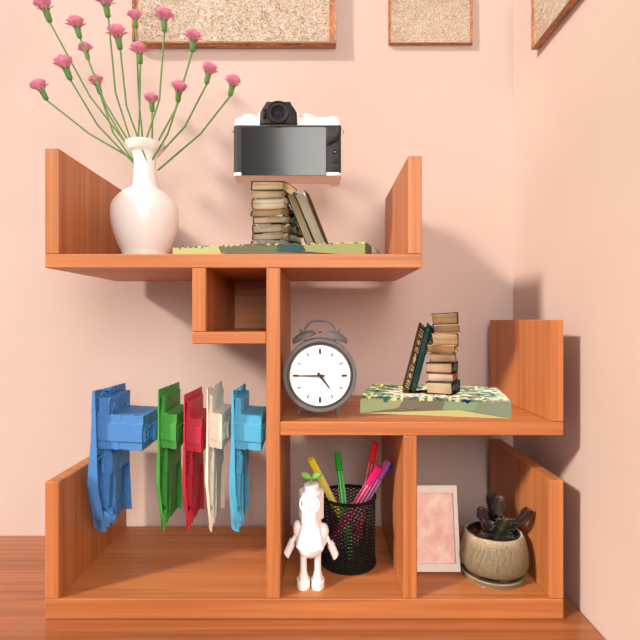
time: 4:45
